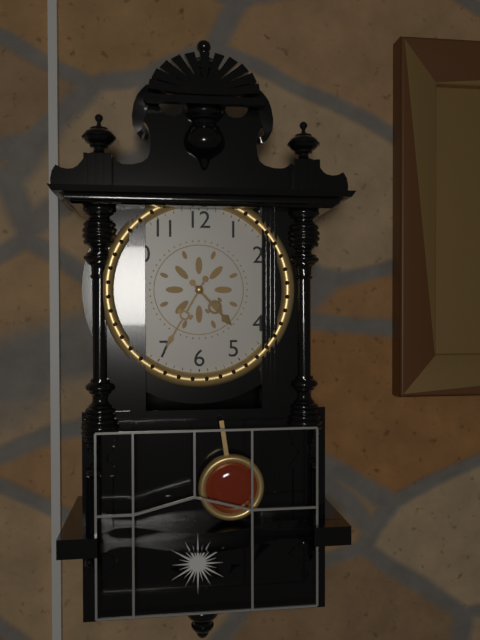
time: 4:35
